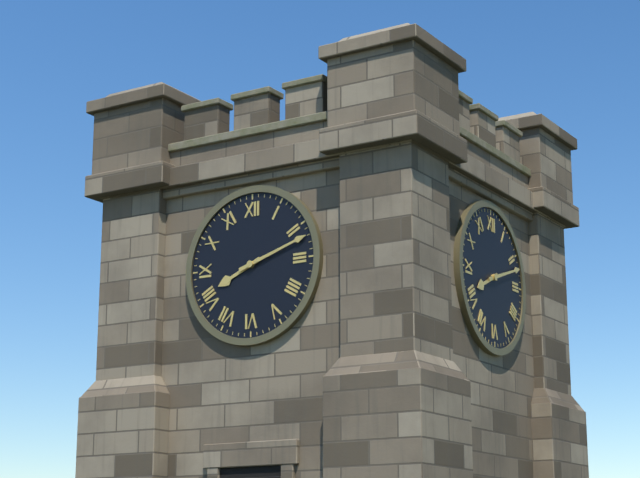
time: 8:12
